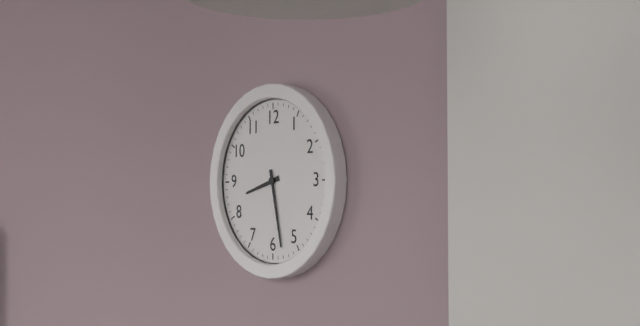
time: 8:28
